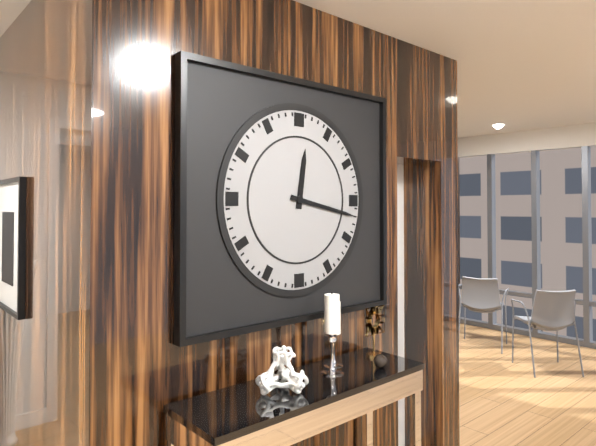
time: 12:17
